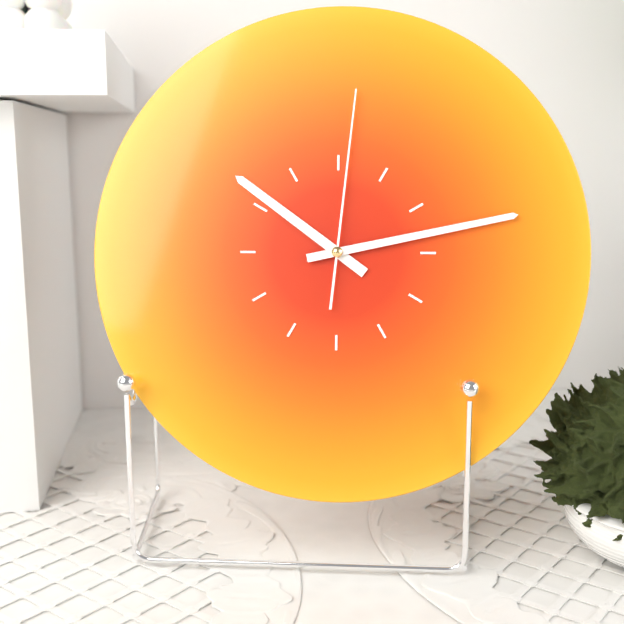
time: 10:13:01
